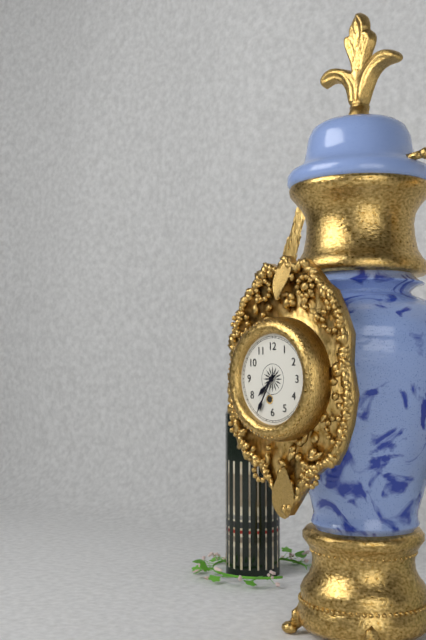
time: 7:35
